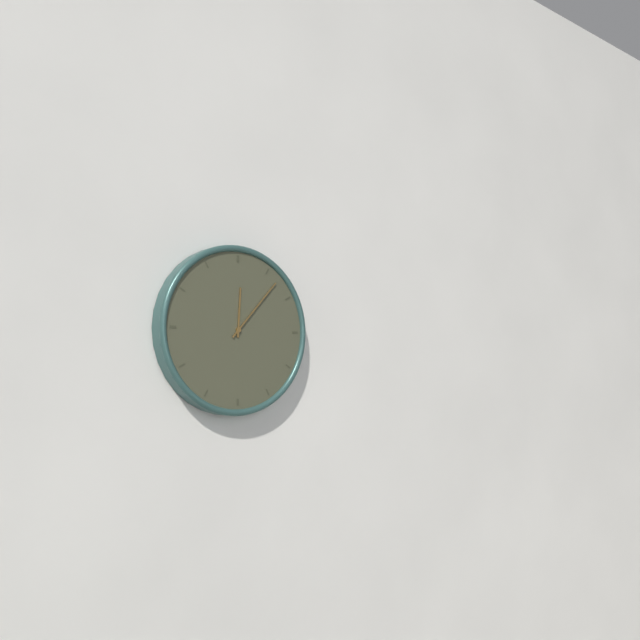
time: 12:07
